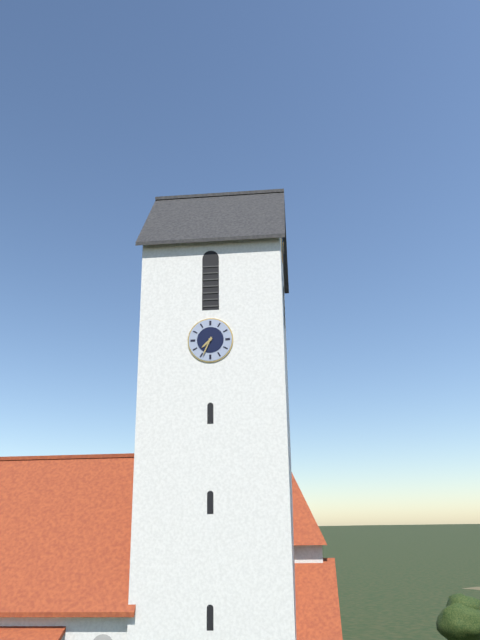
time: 7:34
